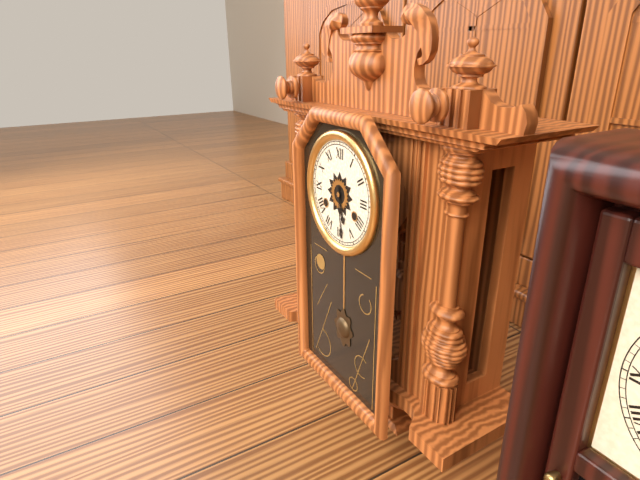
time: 5:29
